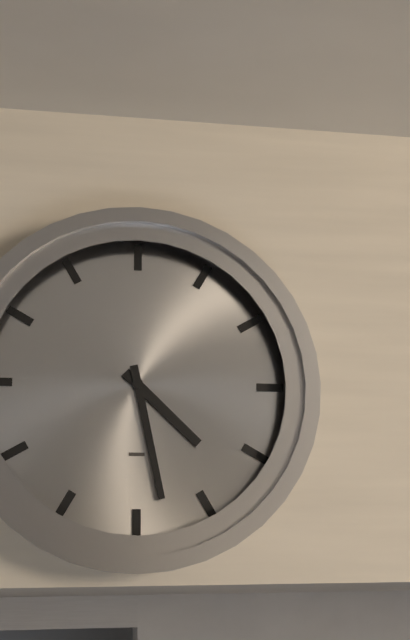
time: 4:28
